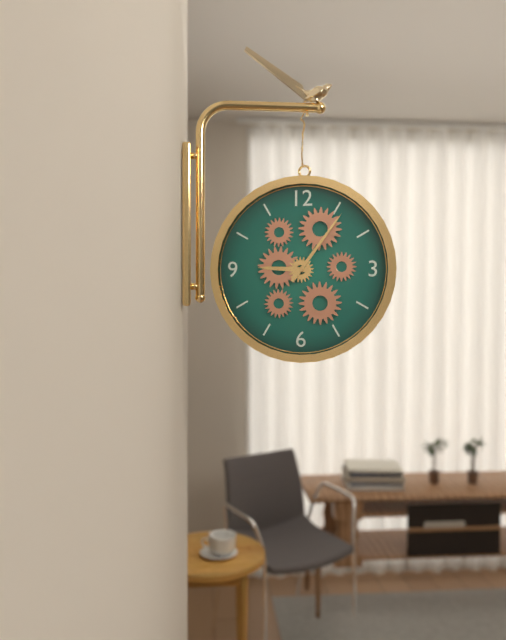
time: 9:06
